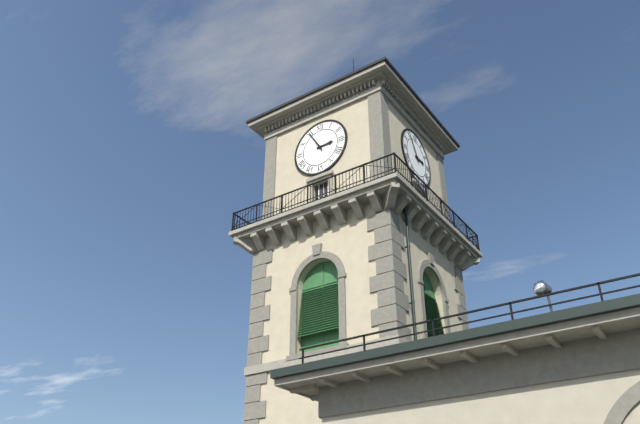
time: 2:55
